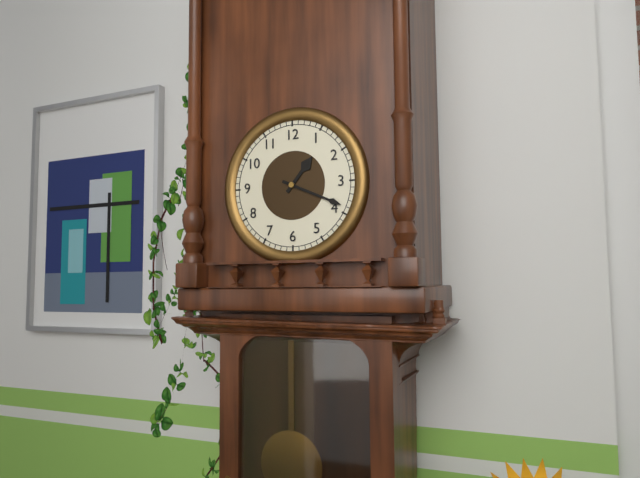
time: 1:19
